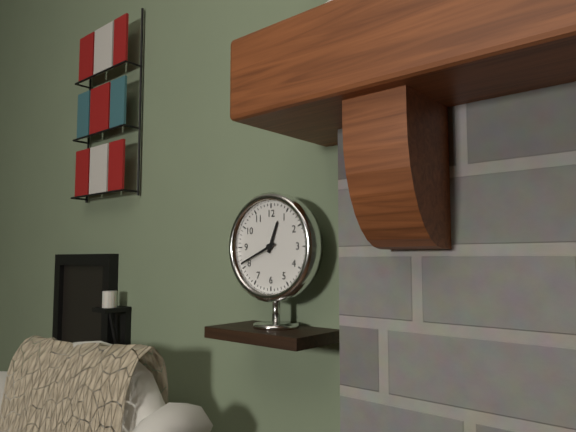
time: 12:41
